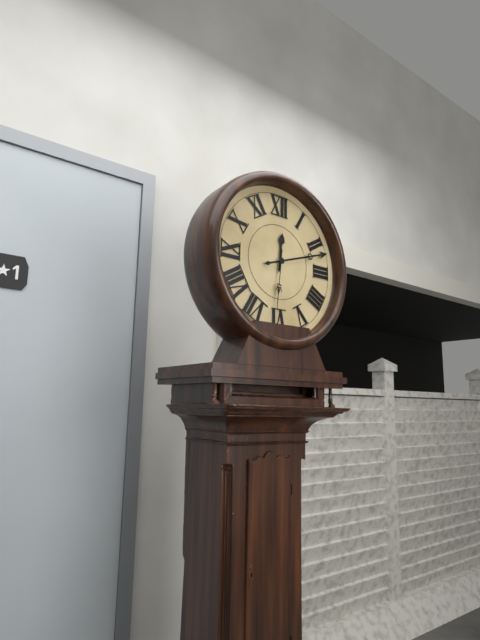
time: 12:12:31
